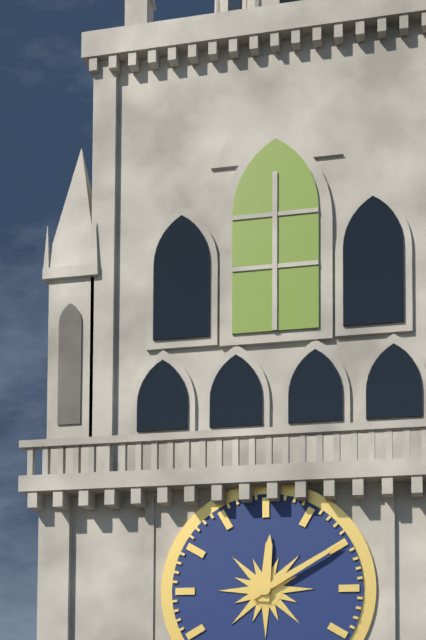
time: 12:10
